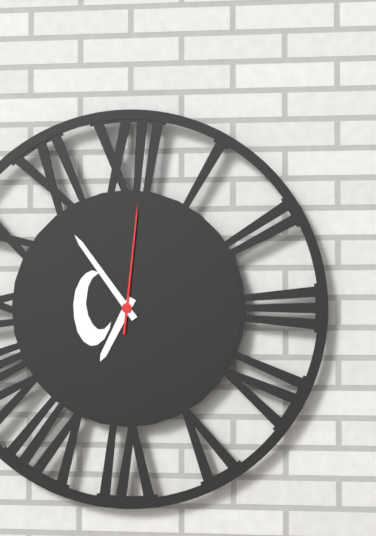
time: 6:54:01
